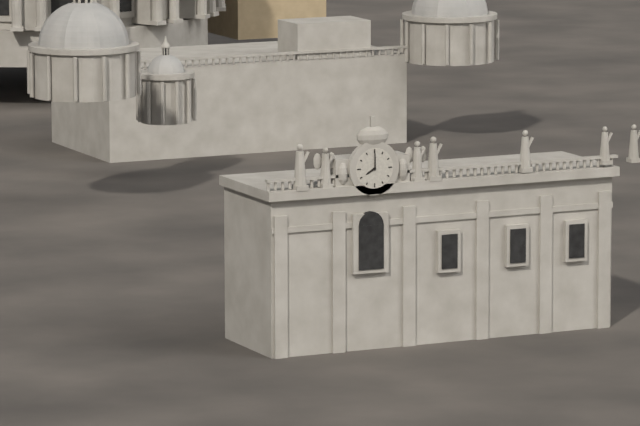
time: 8:00
